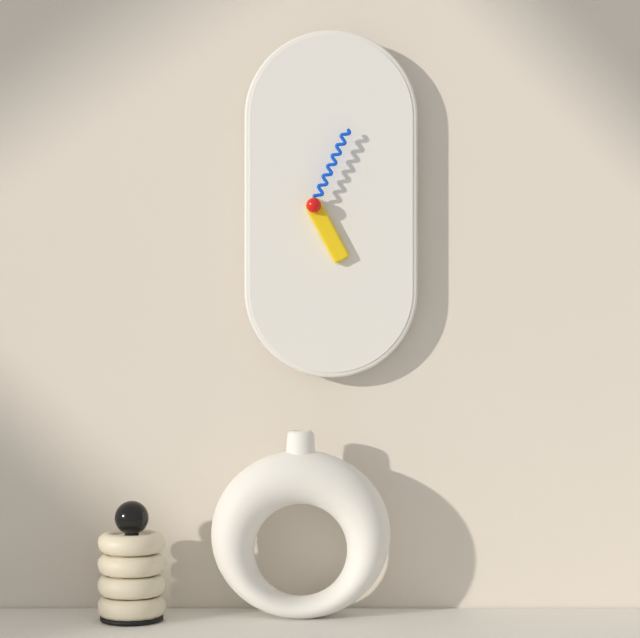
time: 5:04
